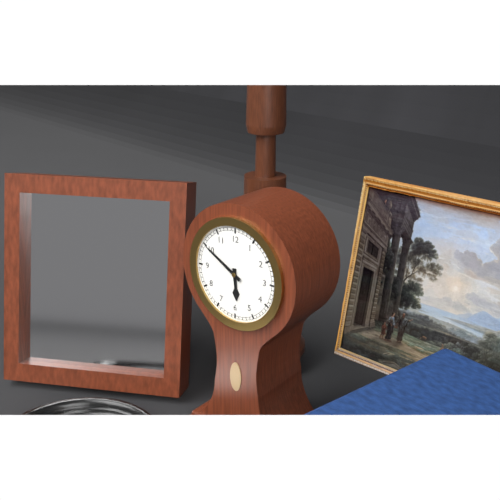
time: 5:50
